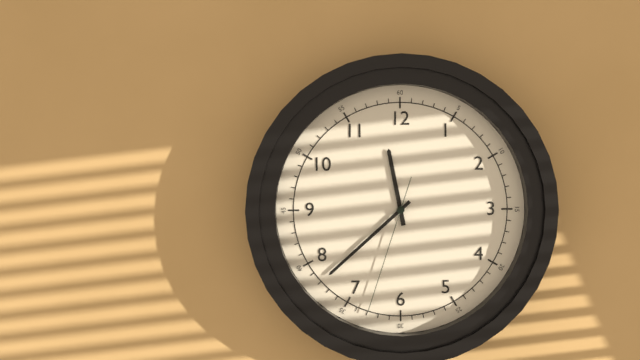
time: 11:38:33
